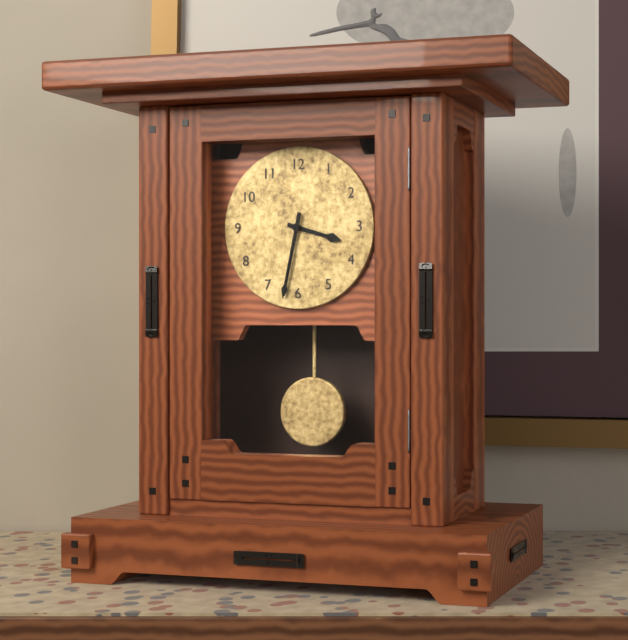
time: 3:32
